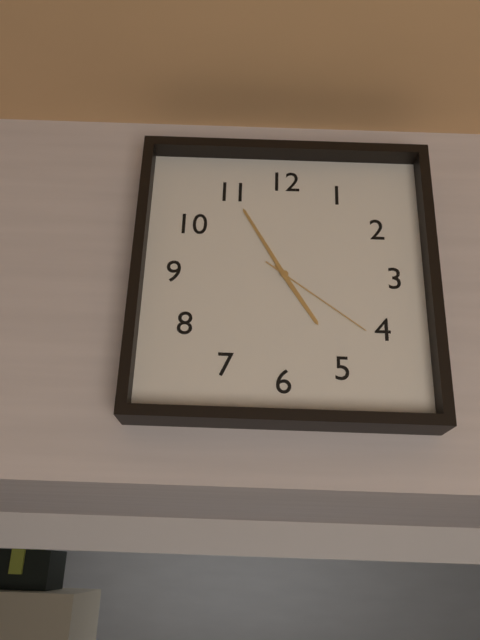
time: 4:55:21
